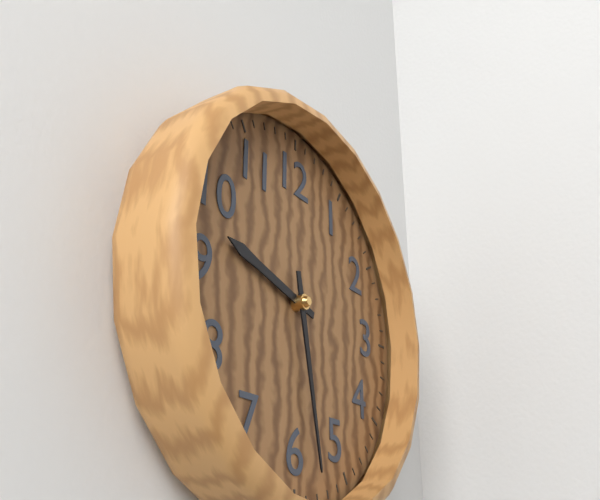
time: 9:28
